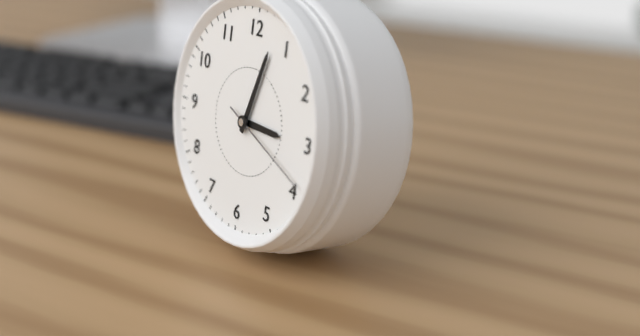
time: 3:03:19
